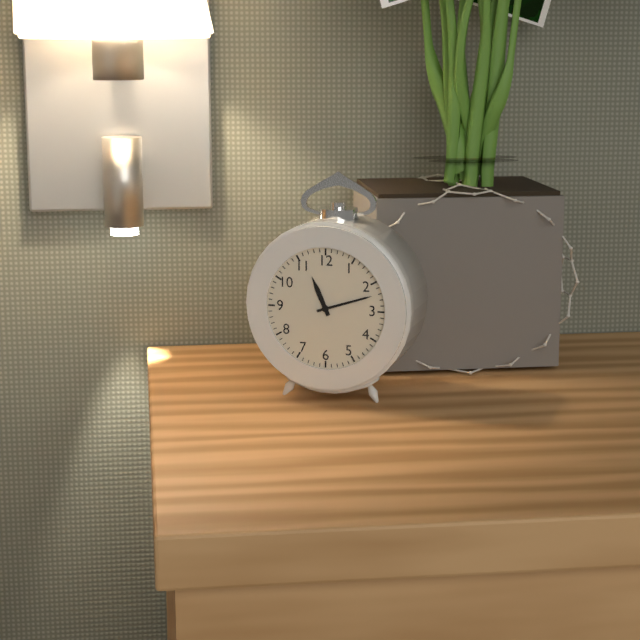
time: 11:12
